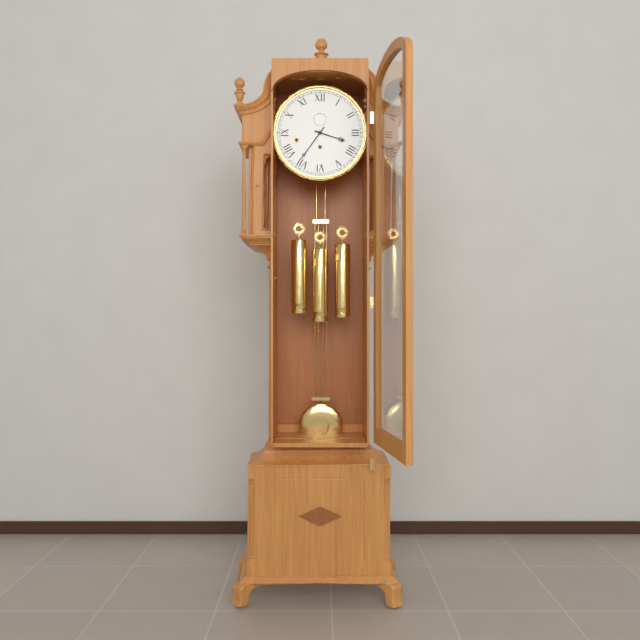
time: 3:36
